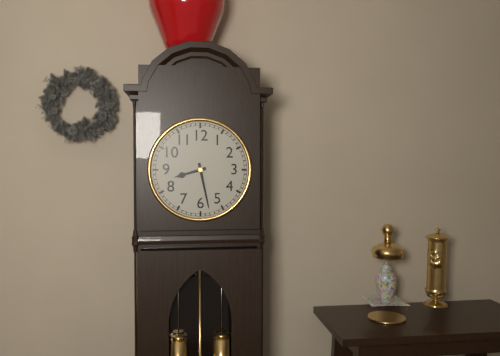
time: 8:28
